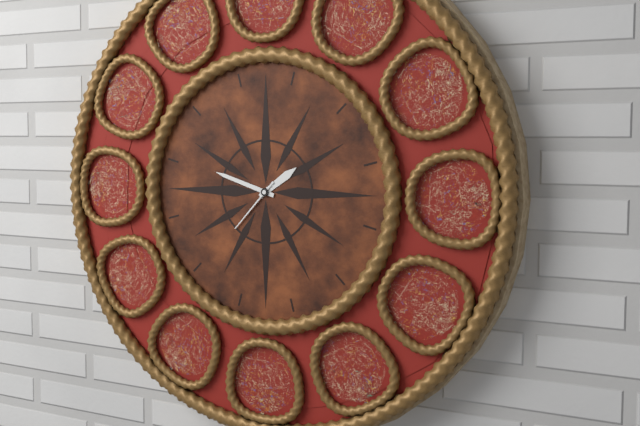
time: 1:48:37
